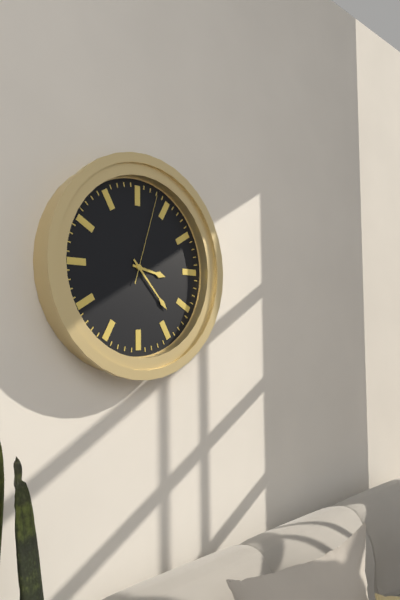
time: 3:23:03
